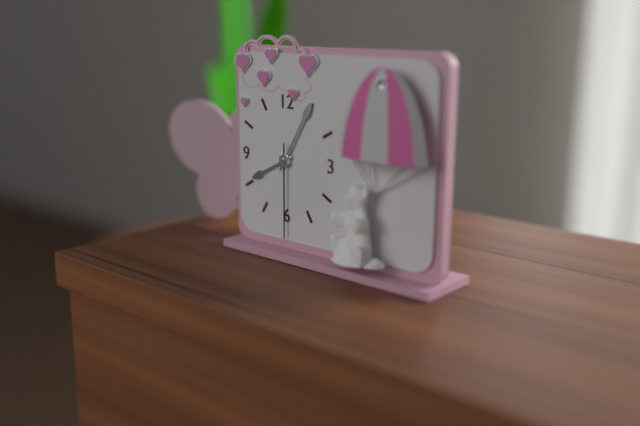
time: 8:05:30
